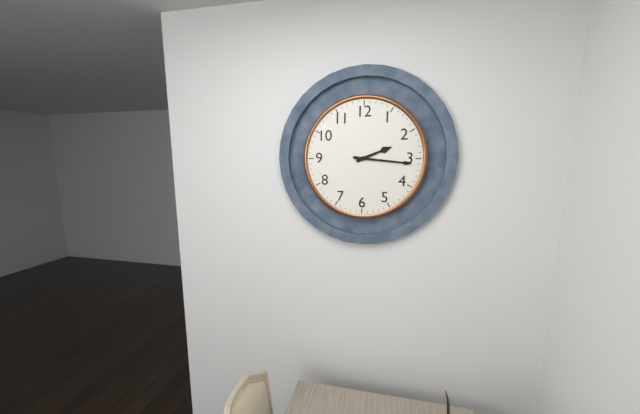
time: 2:16
